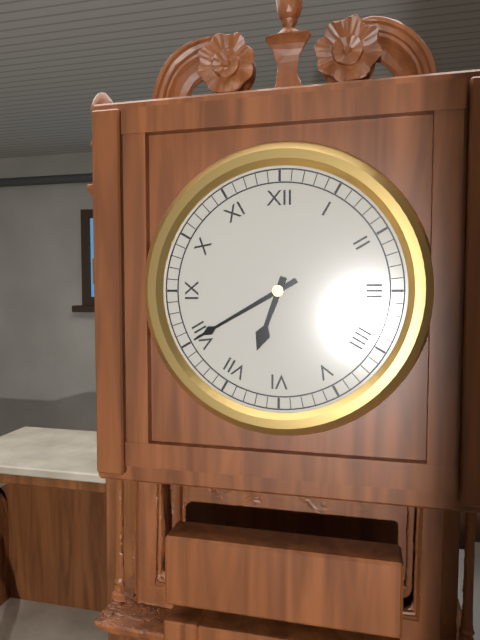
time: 6:40
